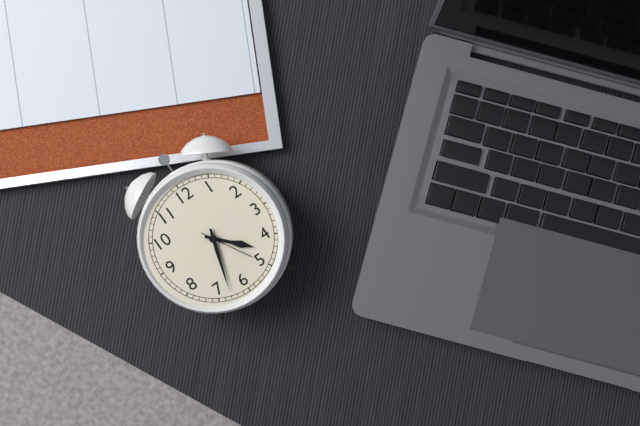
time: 4:33:25
